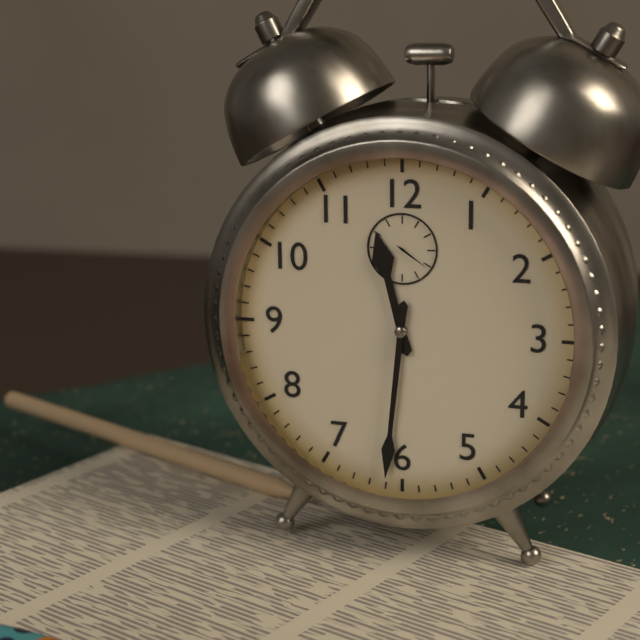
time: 11:31
